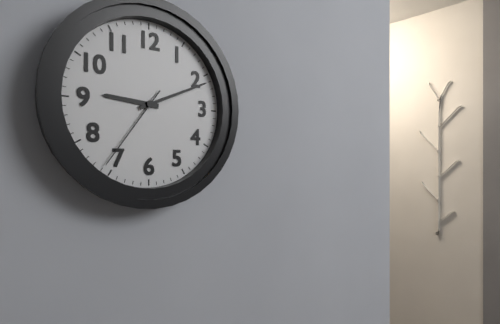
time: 9:11:36
